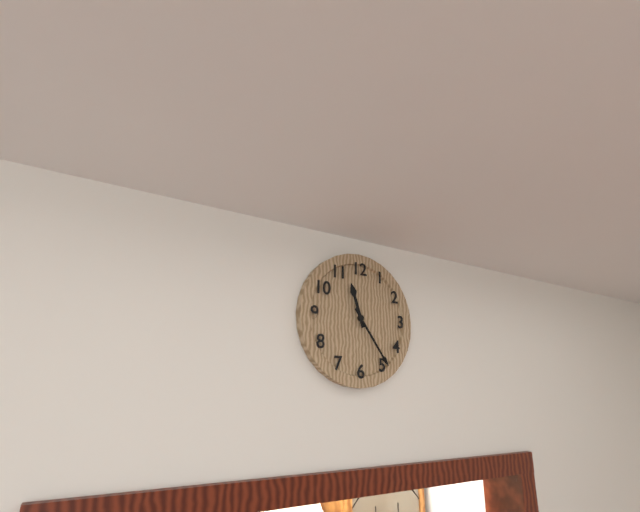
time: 11:24
